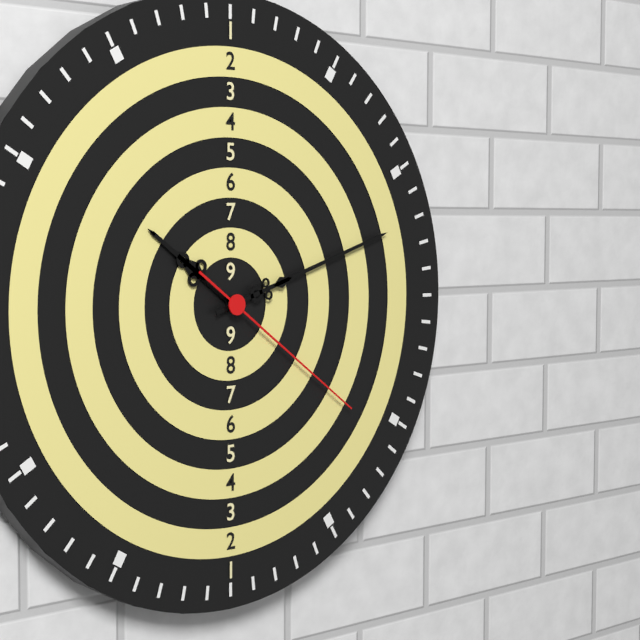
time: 10:12:21
